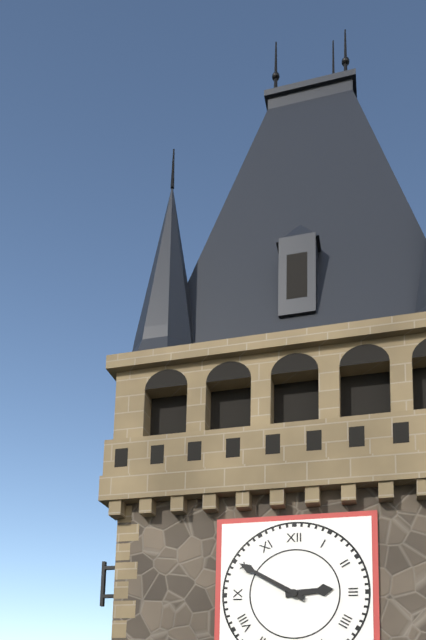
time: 2:50
